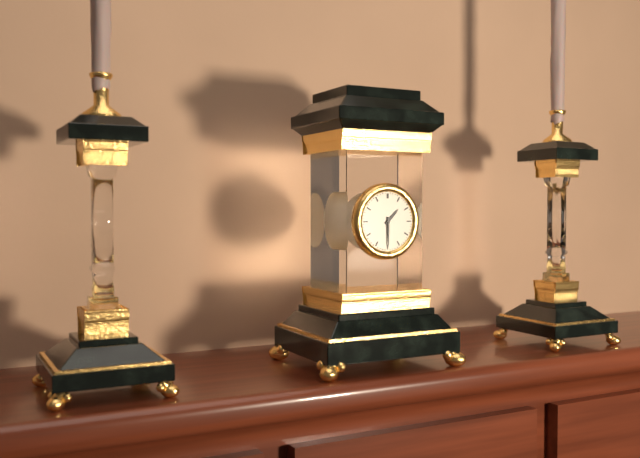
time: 1:30
